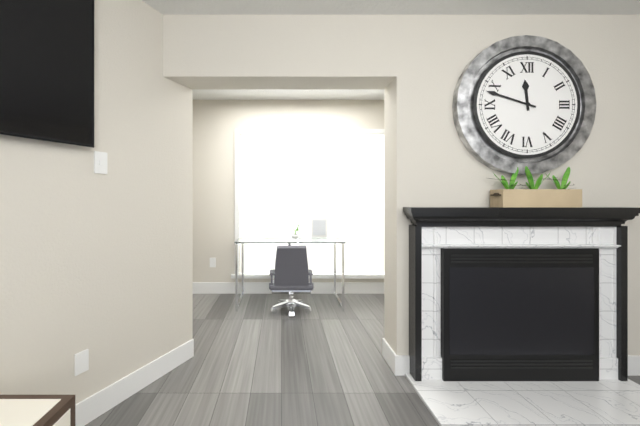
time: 11:48
